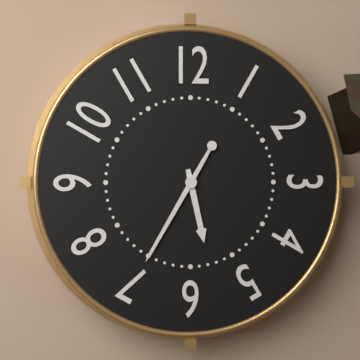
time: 5:35
